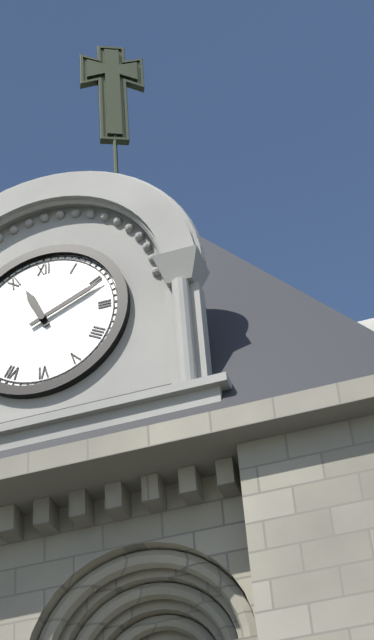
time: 11:11
